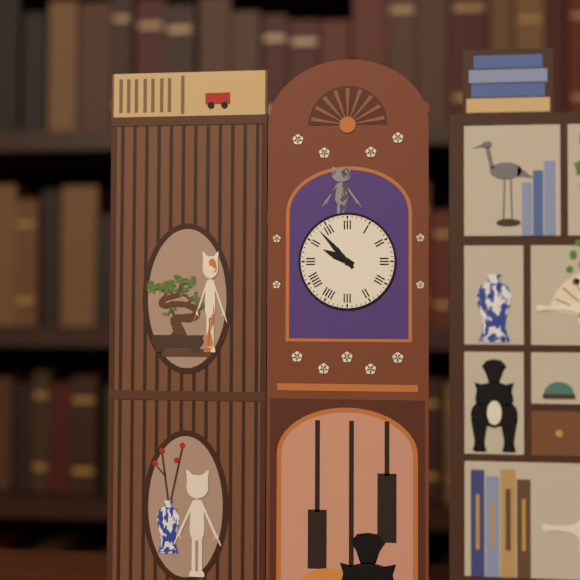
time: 9:53
